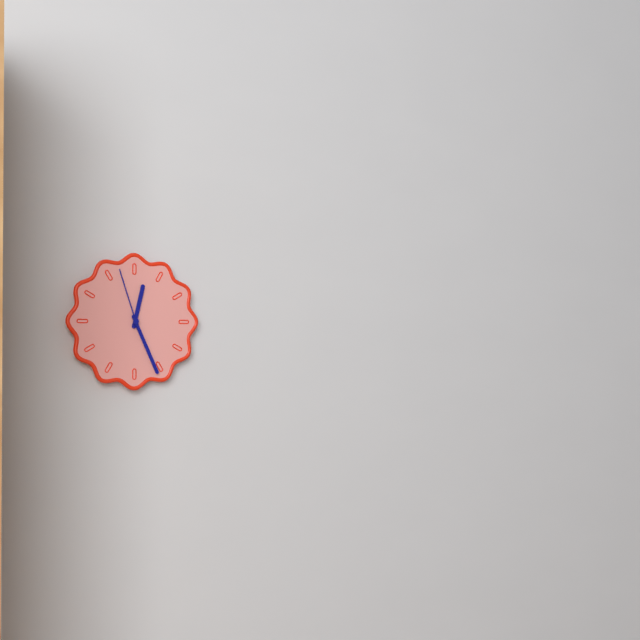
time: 12:26:57
